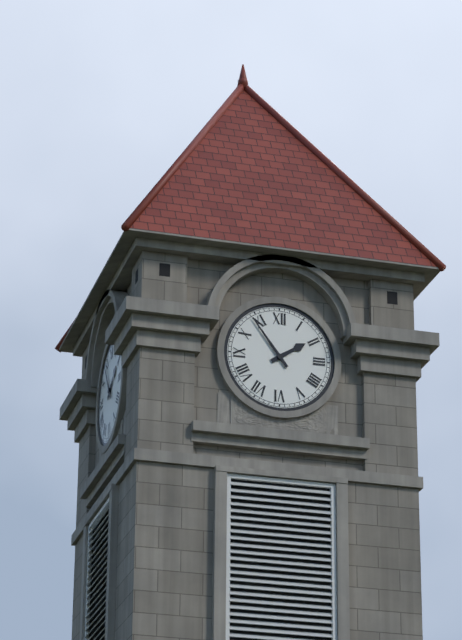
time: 1:54
